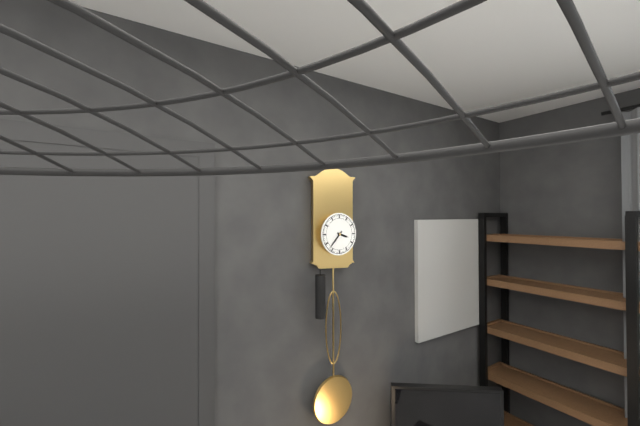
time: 3:37
